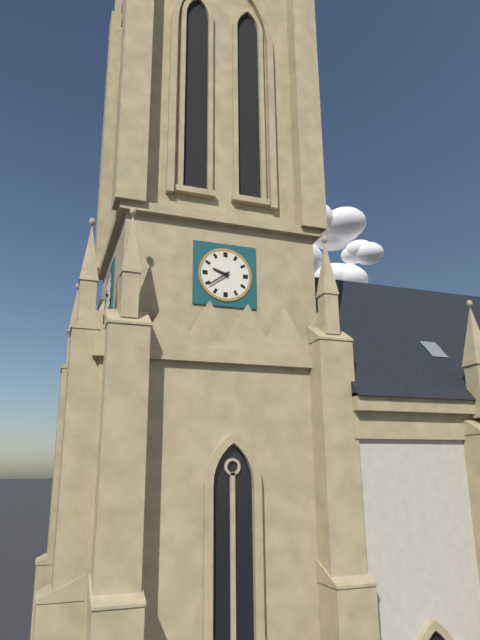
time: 9:39
